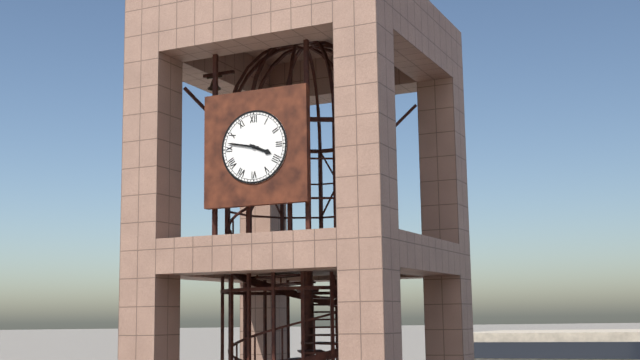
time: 3:47
